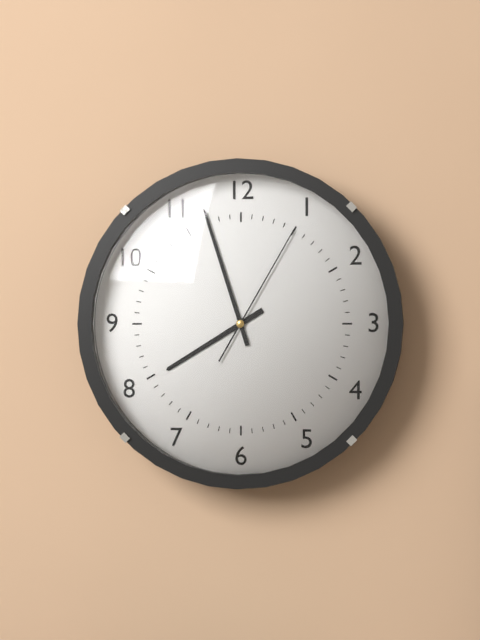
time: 7:57:05
